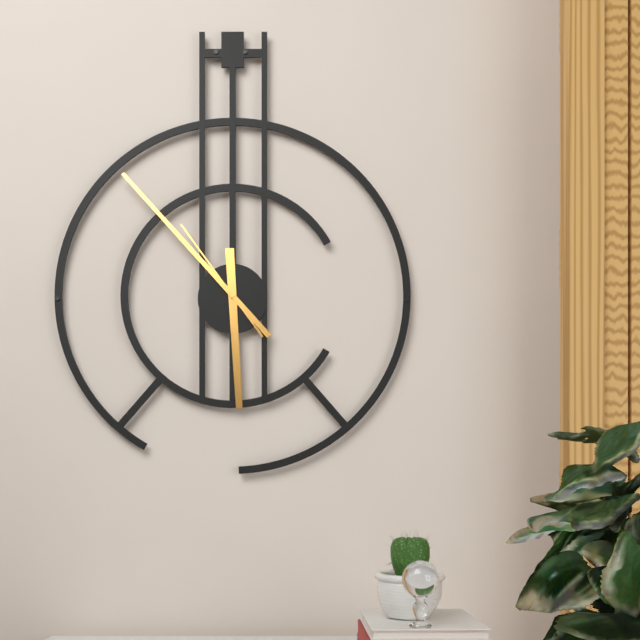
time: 5:53:54
